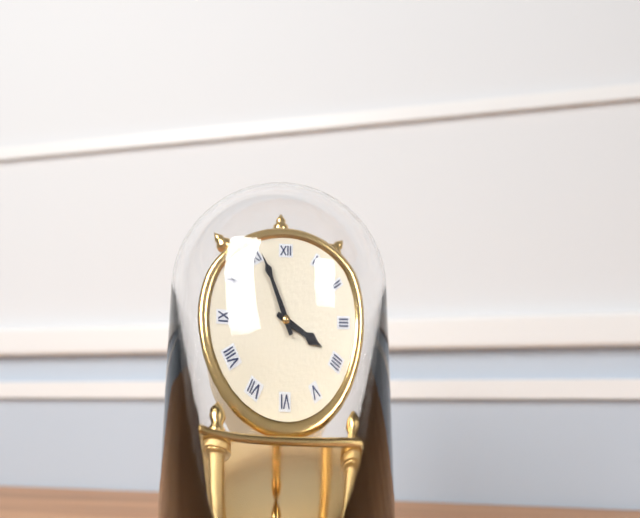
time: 3:56
